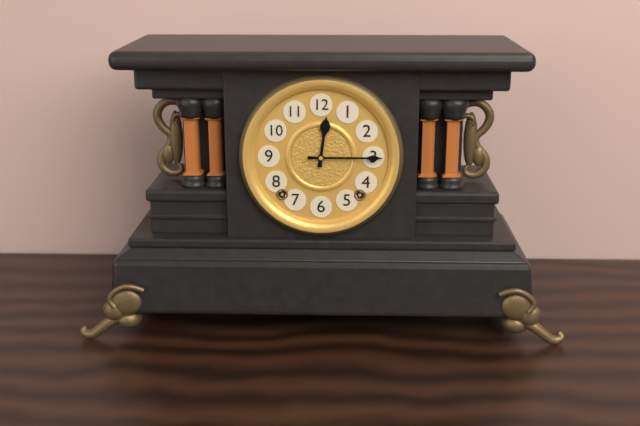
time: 12:15
